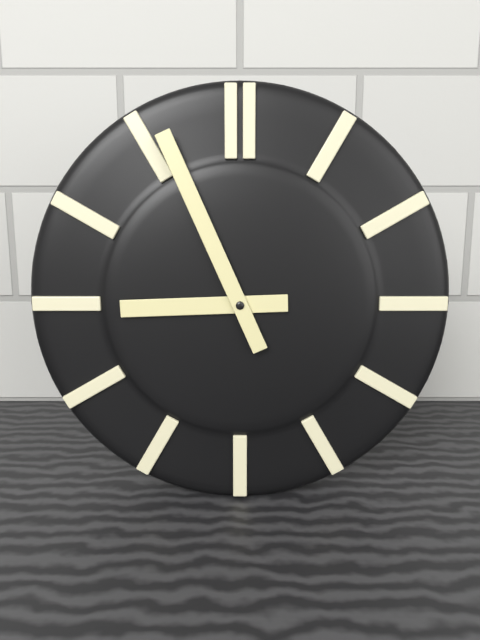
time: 8:56
